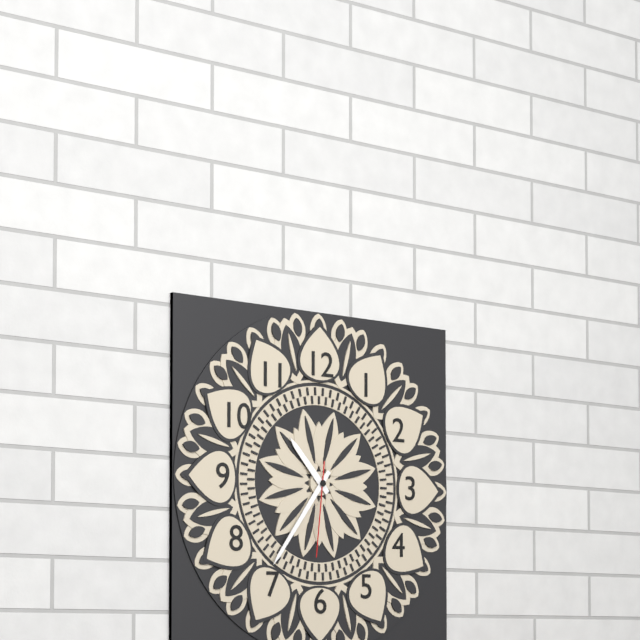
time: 10:36:31
